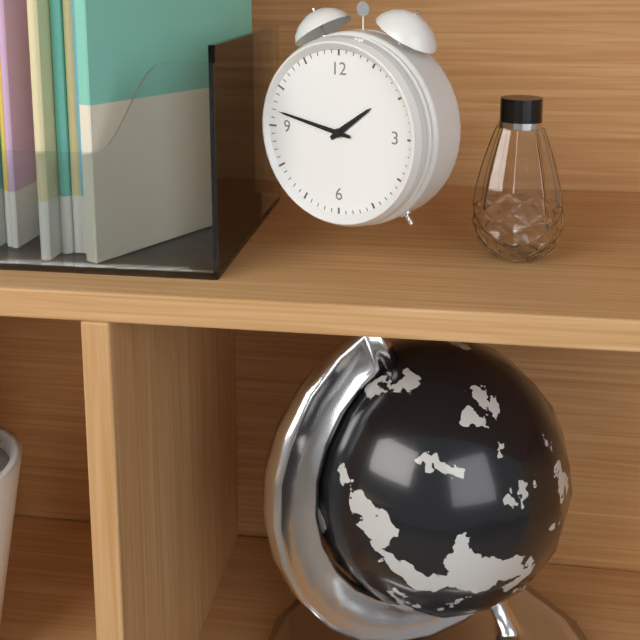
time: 1:47
